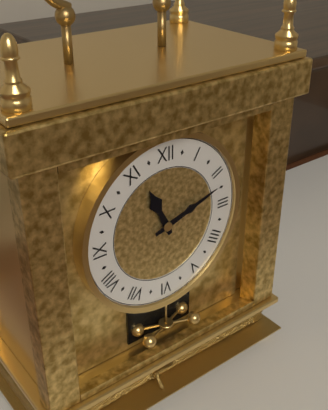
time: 11:12
